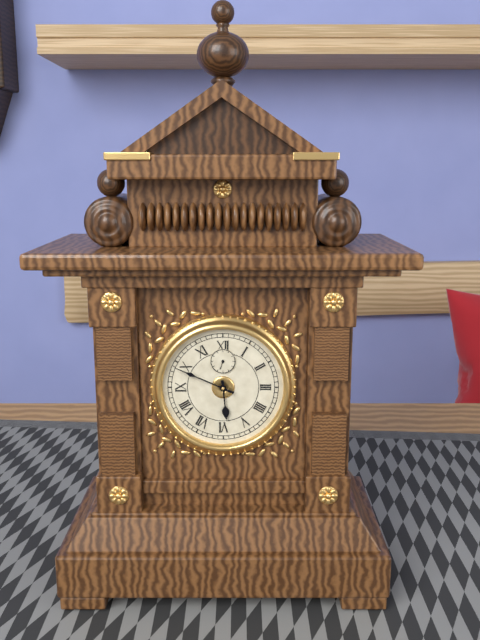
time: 5:49
